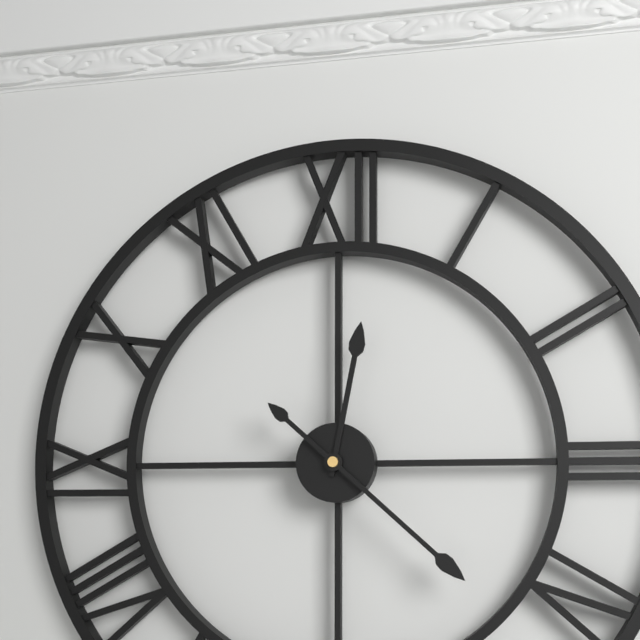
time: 12:22
